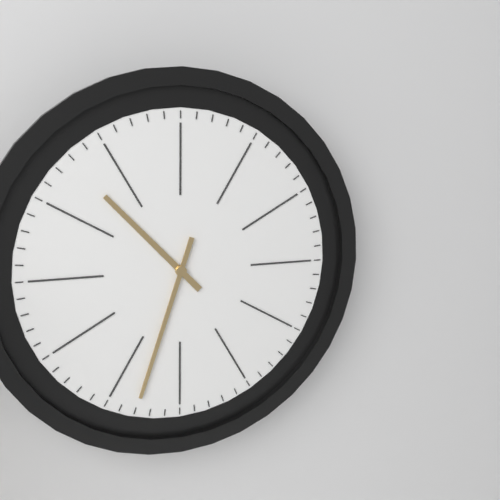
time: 10:33
